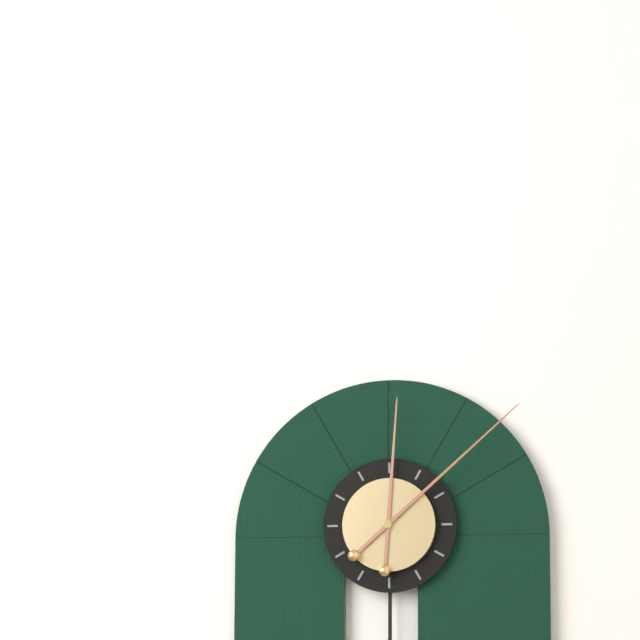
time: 12:08
